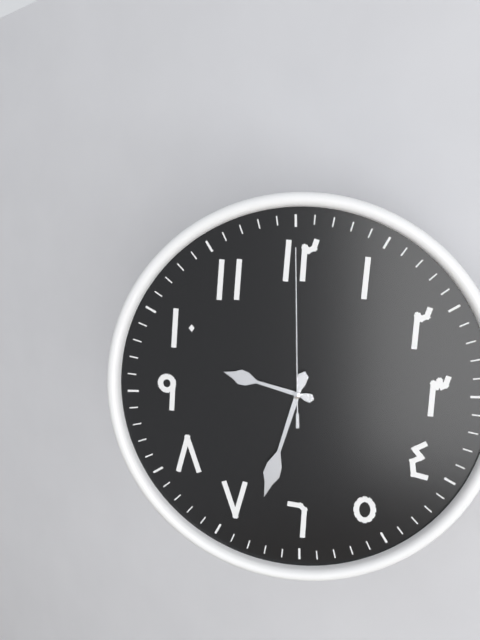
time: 9:33:00
